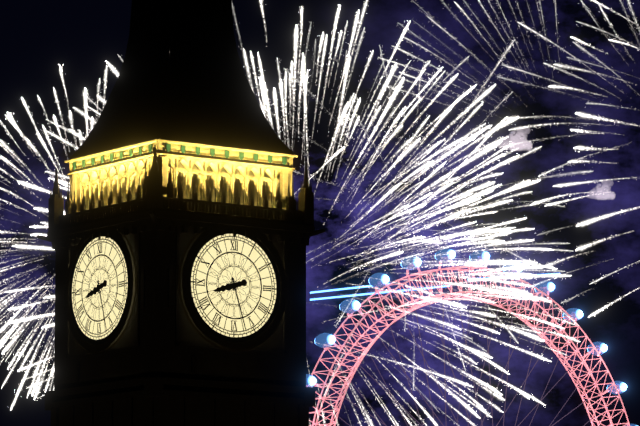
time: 8:27
